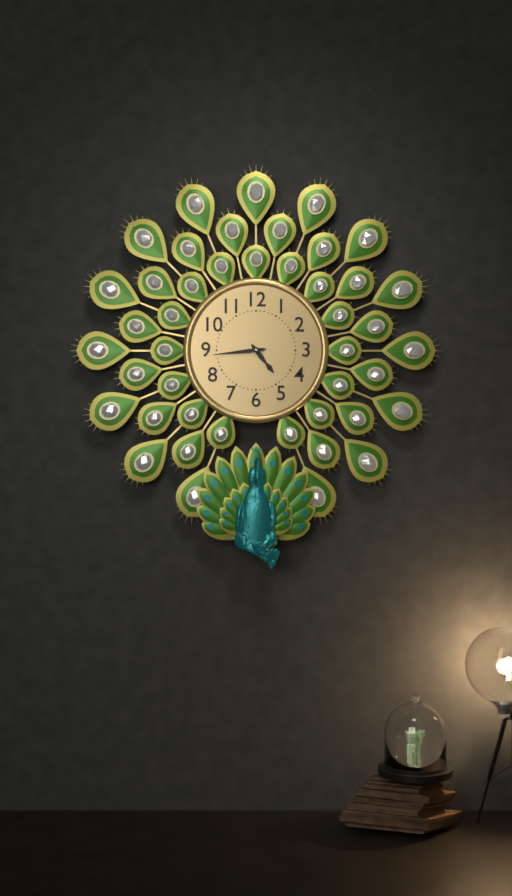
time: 4:44
